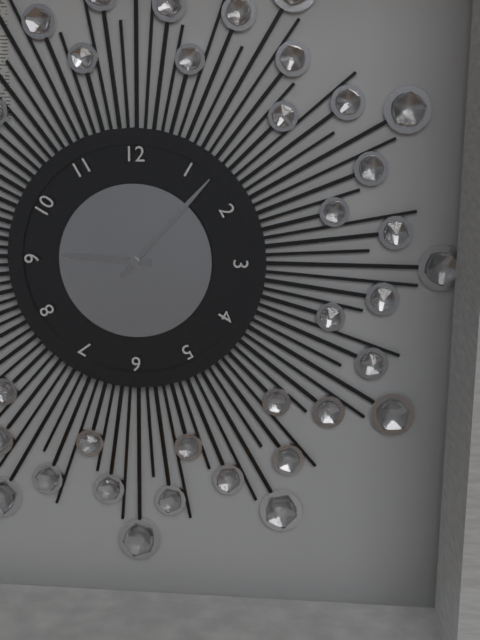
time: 9:07
